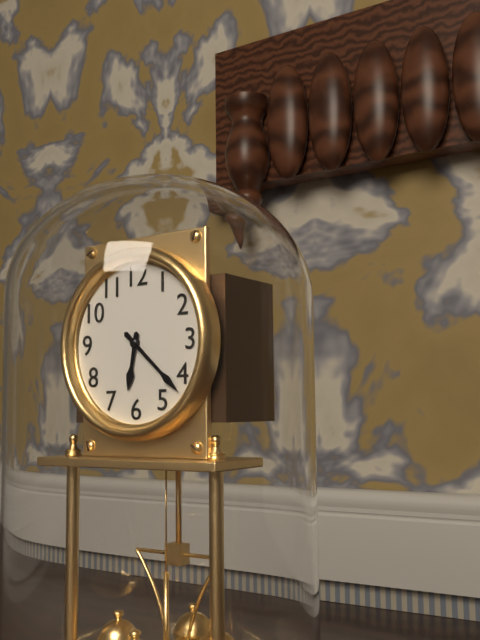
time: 6:22
